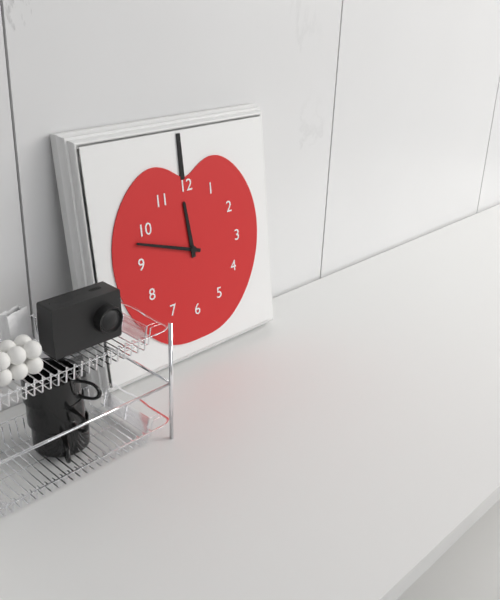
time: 11:48
